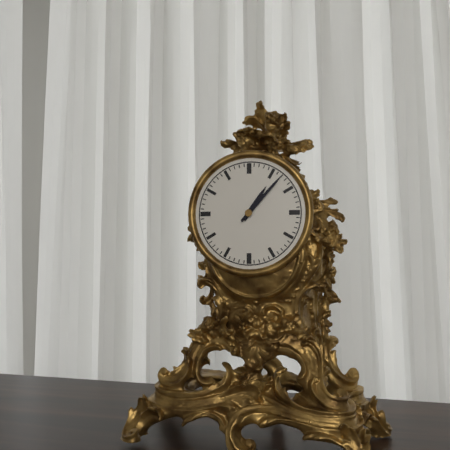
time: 1:07
